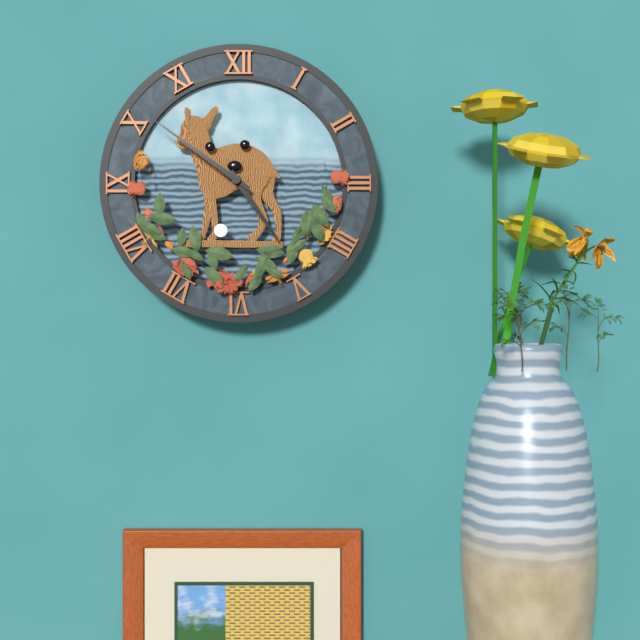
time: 4:51
